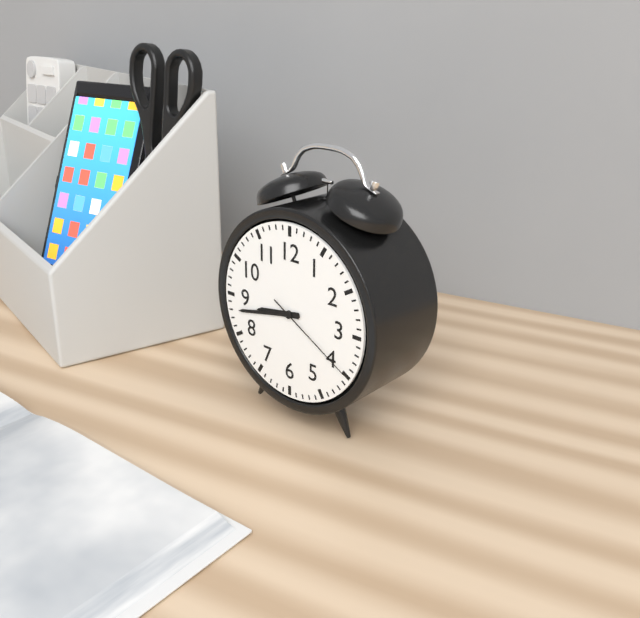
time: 8:43:20
